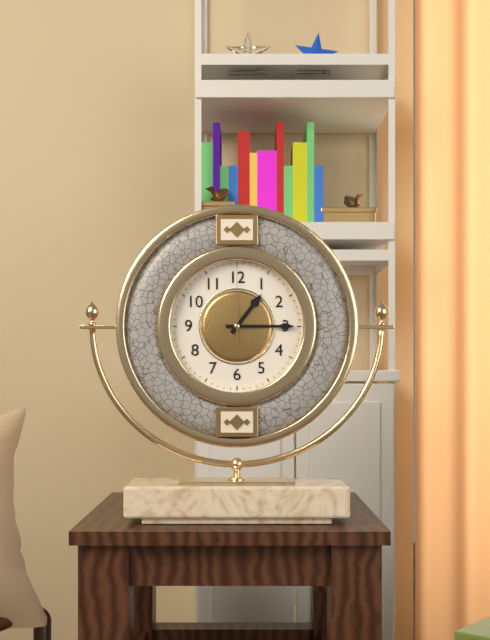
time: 1:15:00
